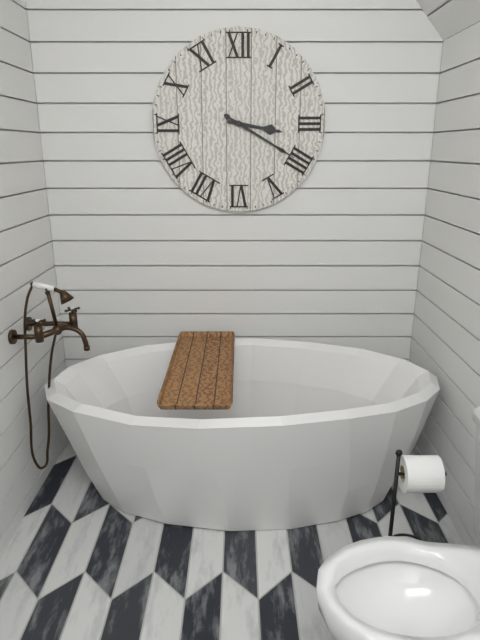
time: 3:20
